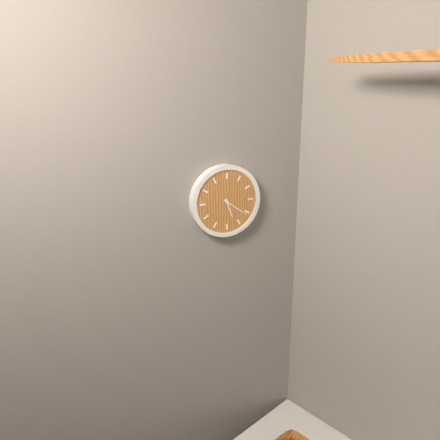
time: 5:21
